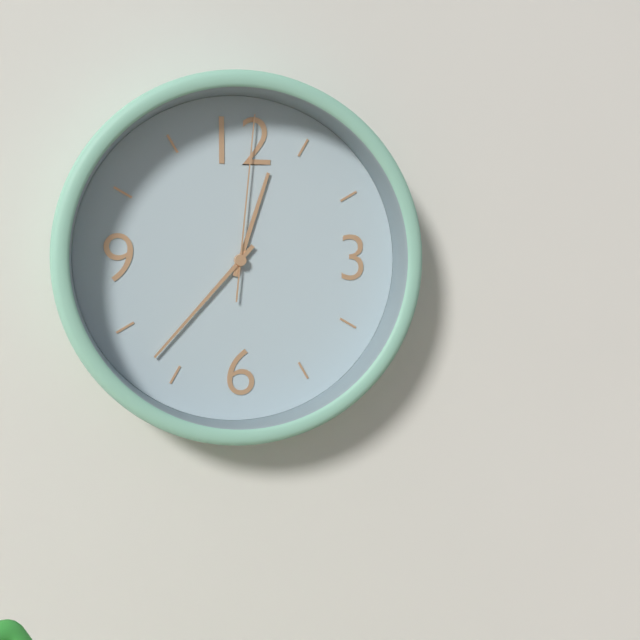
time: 12:37:01
